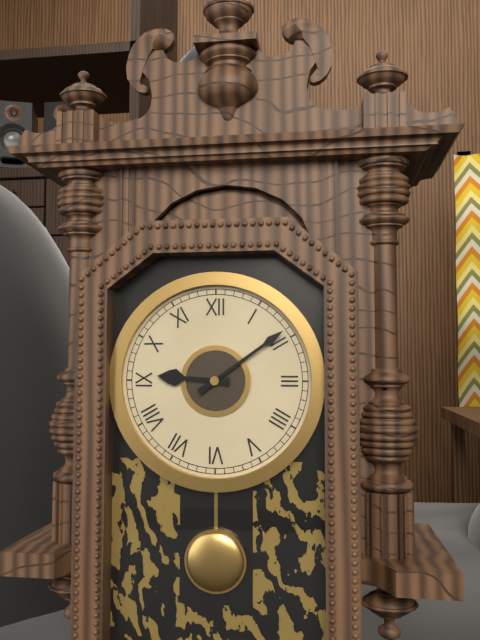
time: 9:09
